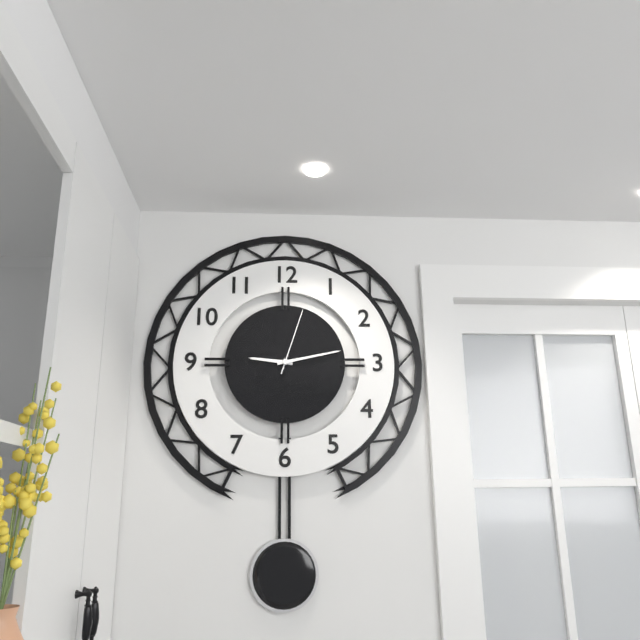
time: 9:13:03
